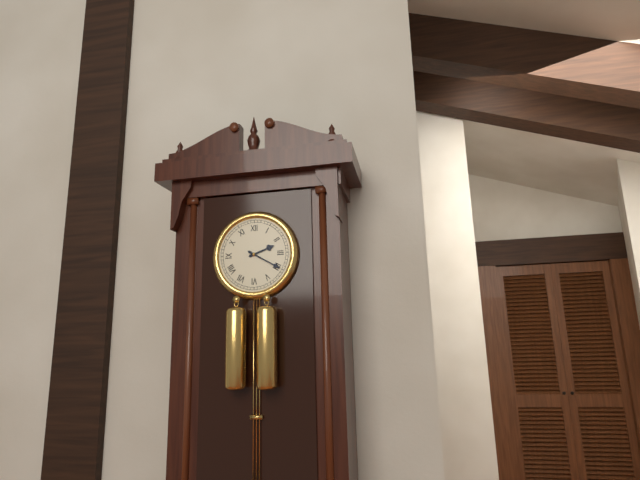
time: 2:20
